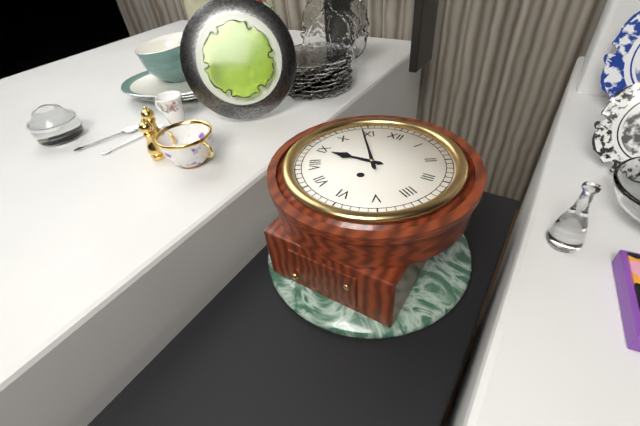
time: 8:54
